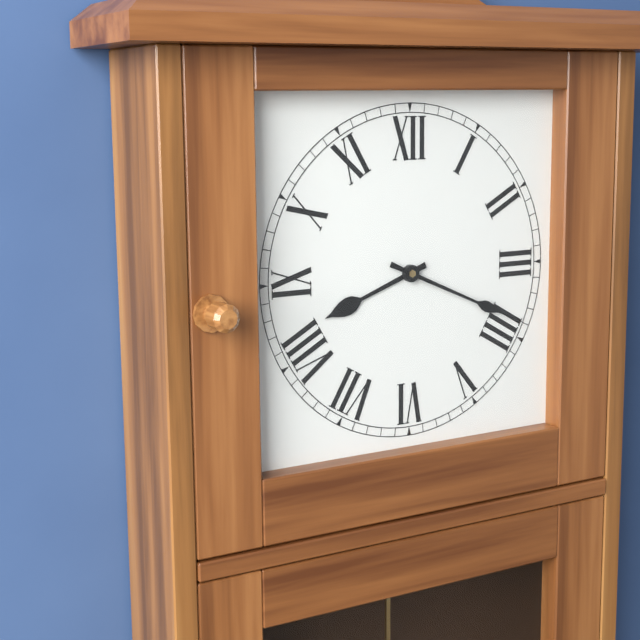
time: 8:19
